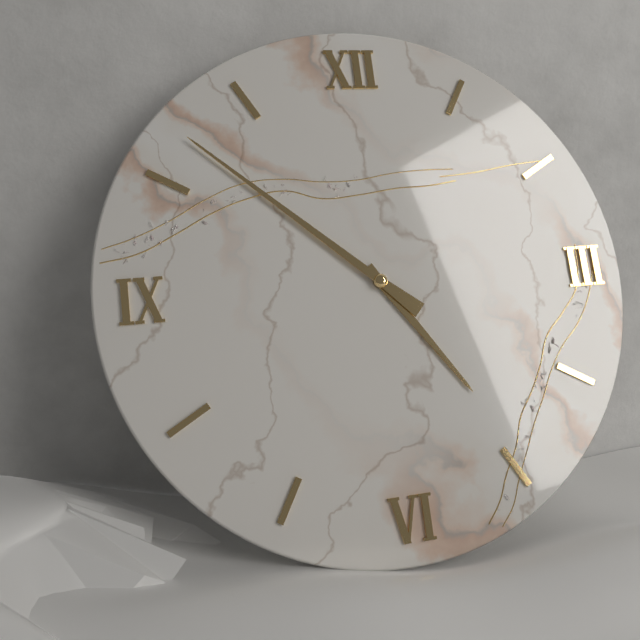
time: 4:52
